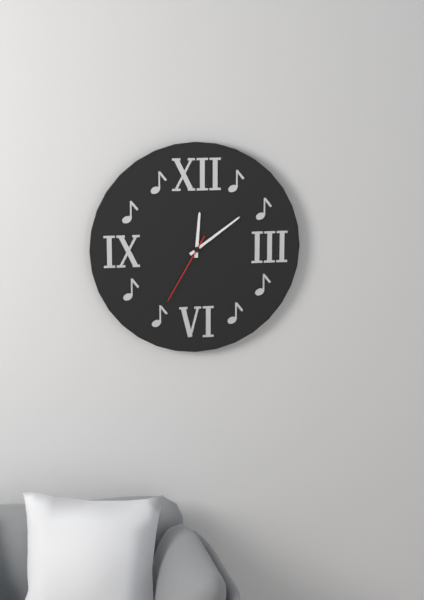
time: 12:09:35
